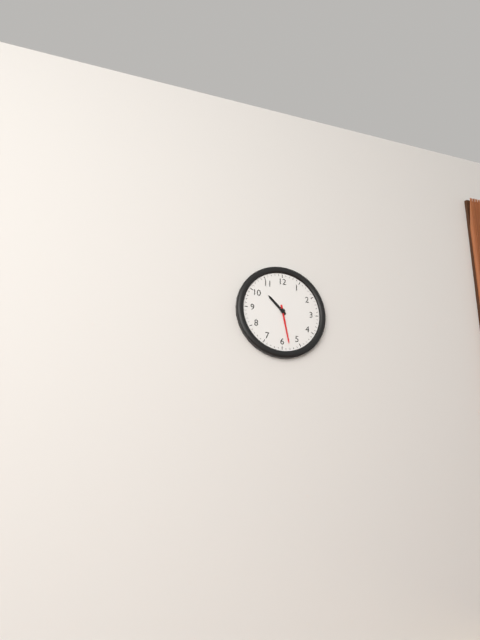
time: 10:28
